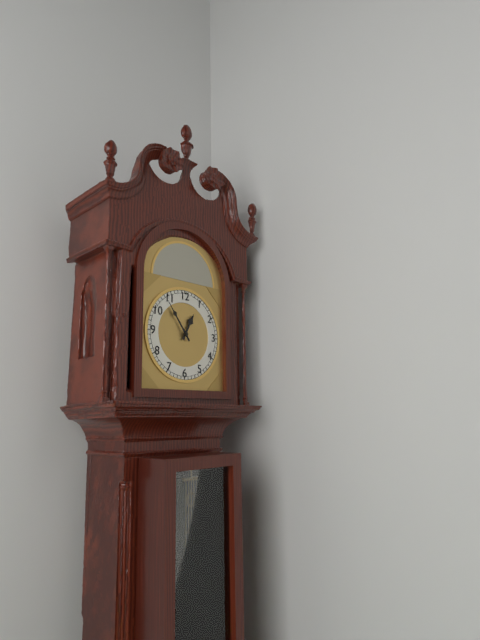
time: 12:54
